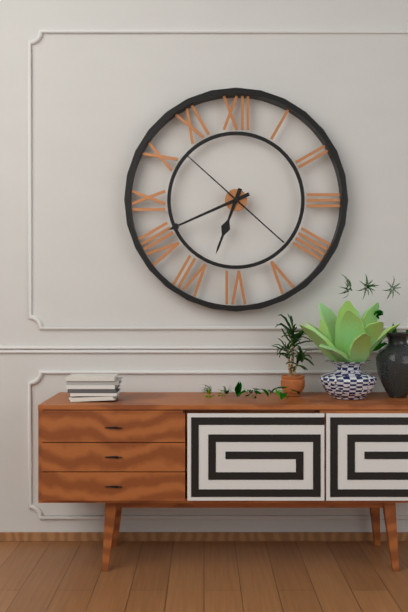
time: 6:41:52
